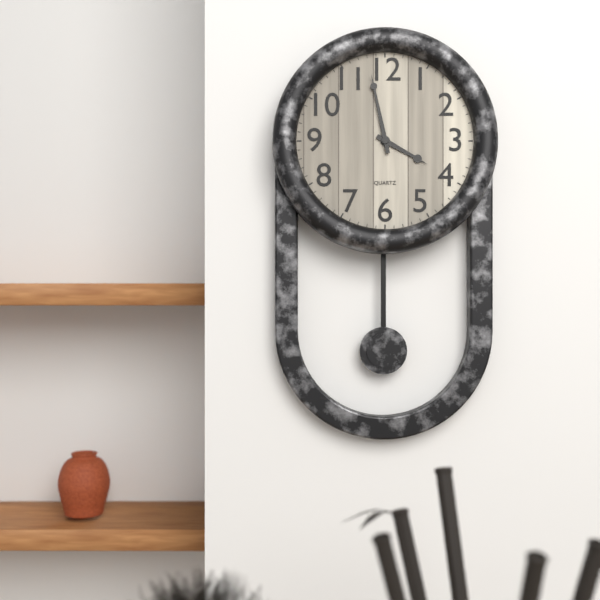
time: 3:58
